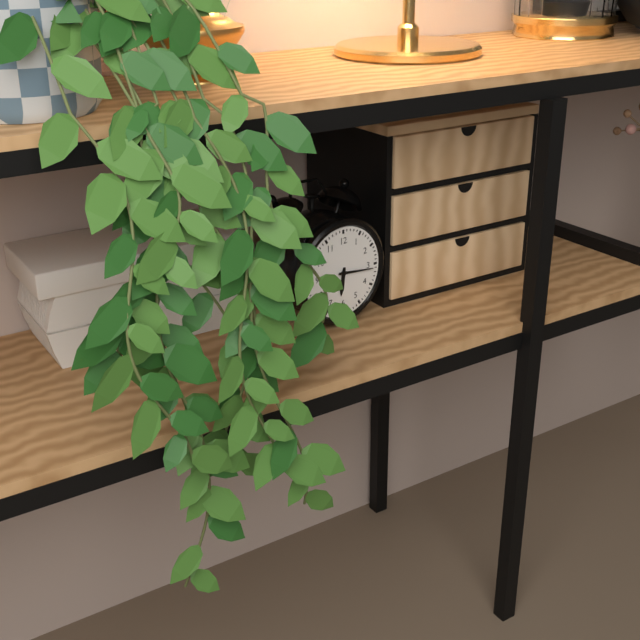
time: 6:16
